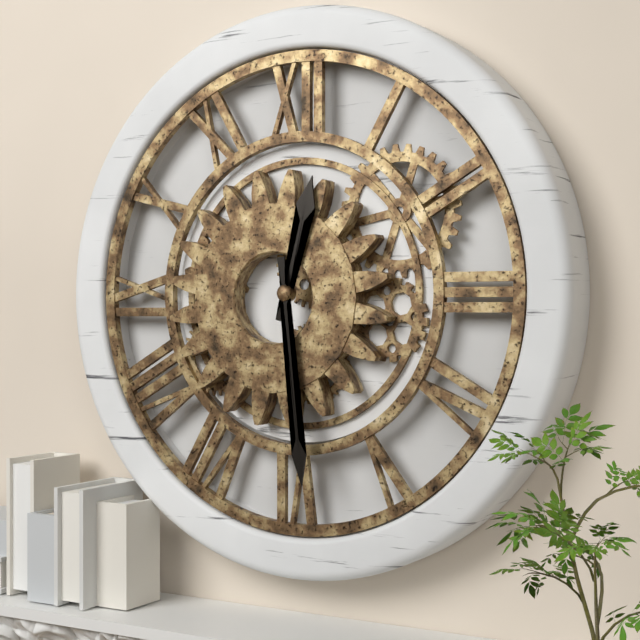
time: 12:29
